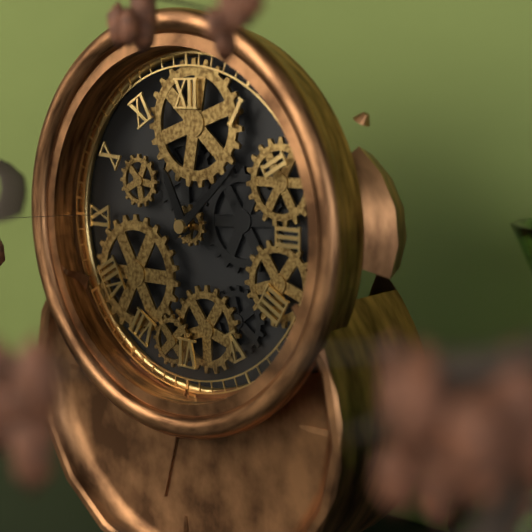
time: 11:08
